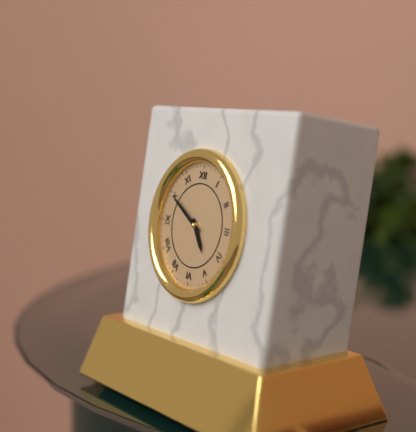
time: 4:50
